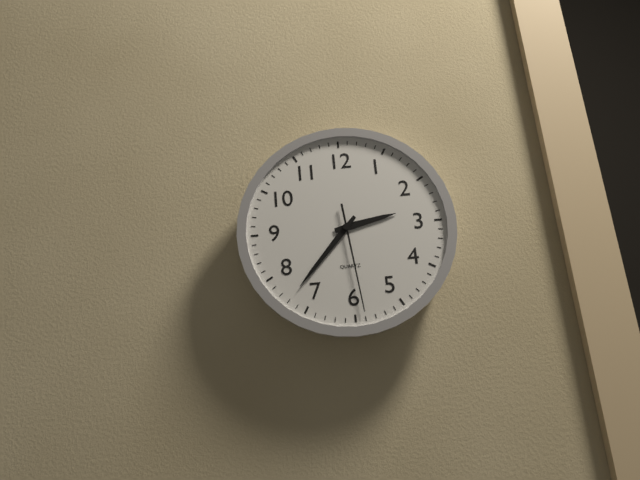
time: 2:37:29
